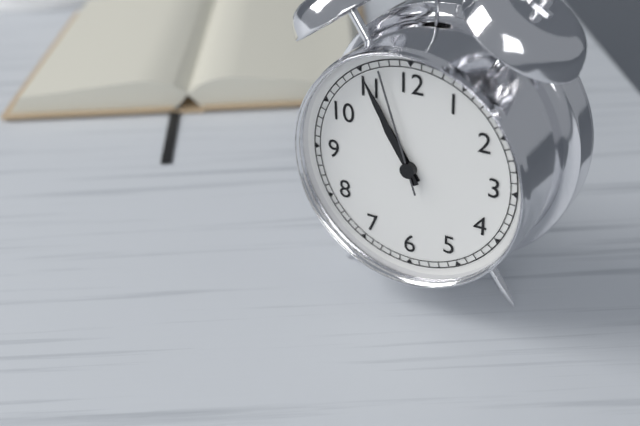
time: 10:55:57
